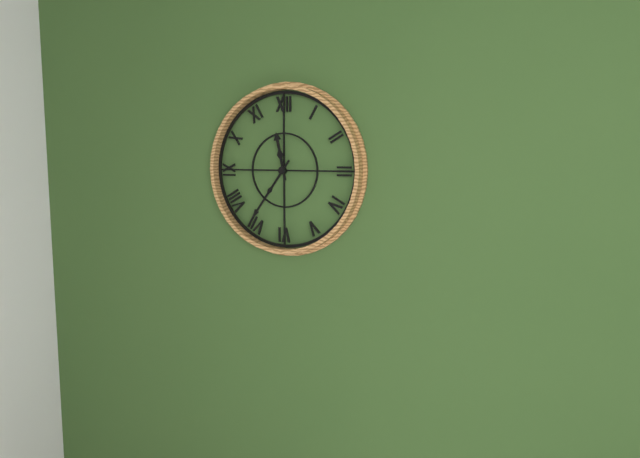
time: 11:36
